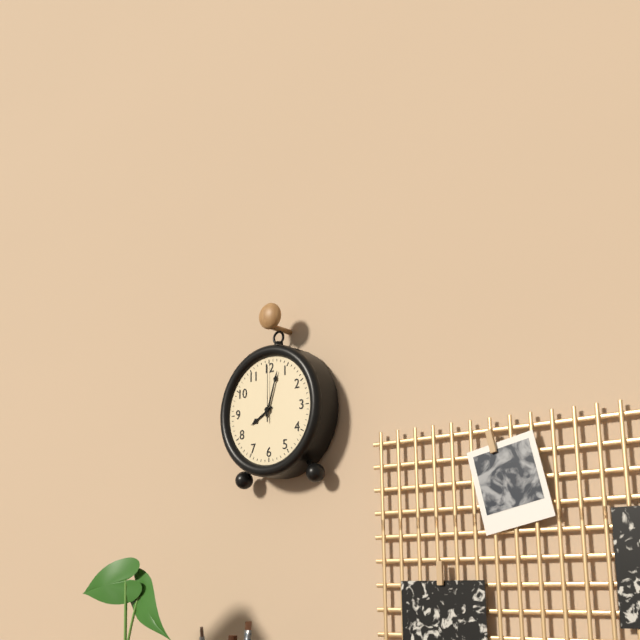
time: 8:03:00
